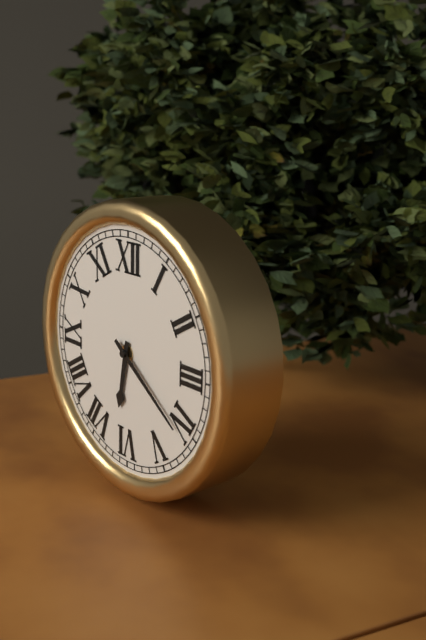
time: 6:21
